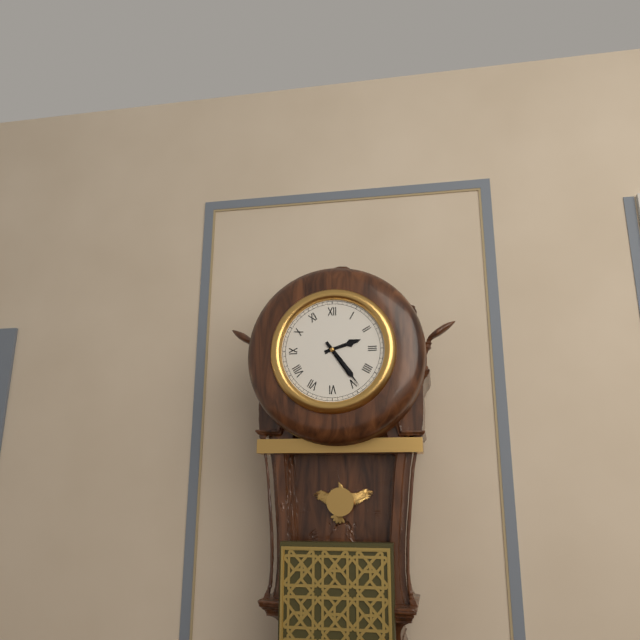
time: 2:24
